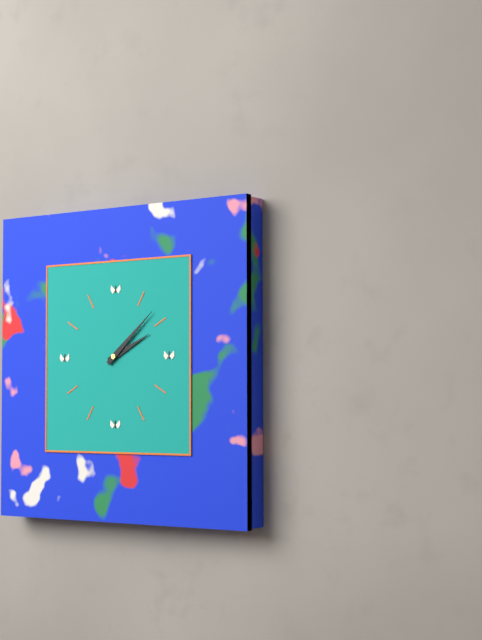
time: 2:08
